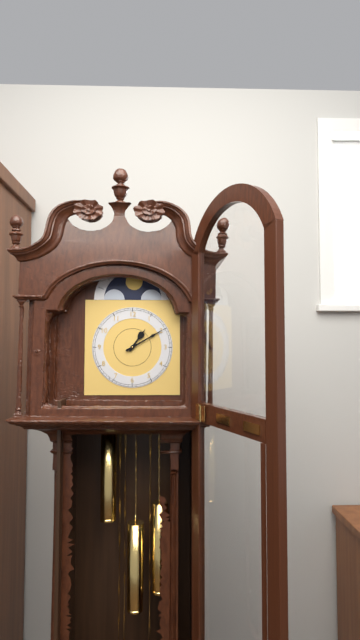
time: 1:10
